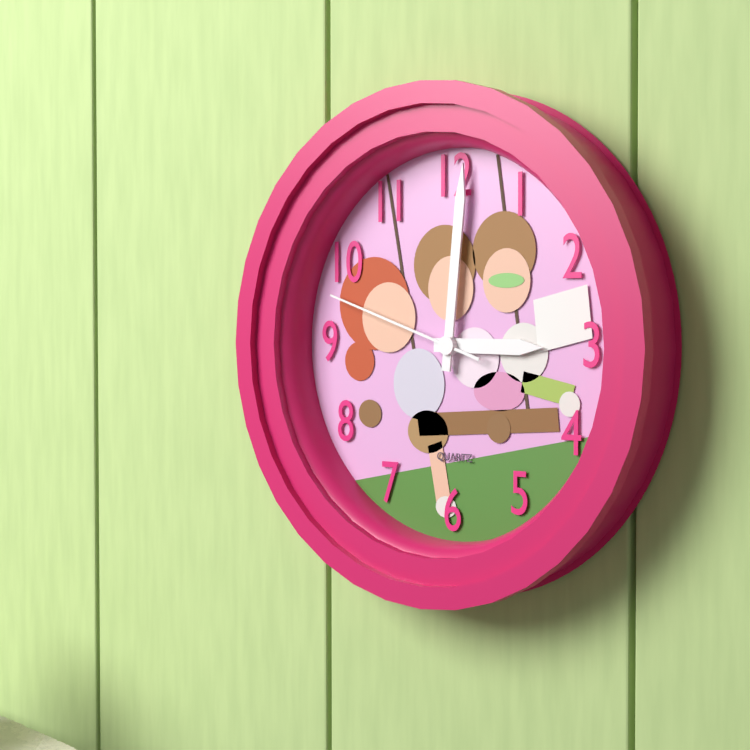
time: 3:01:48
